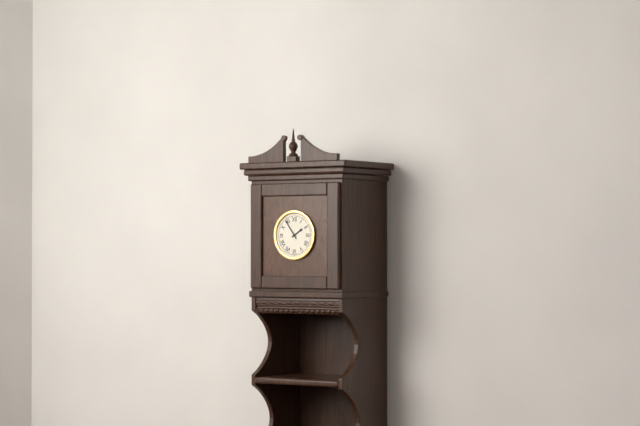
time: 1:54
